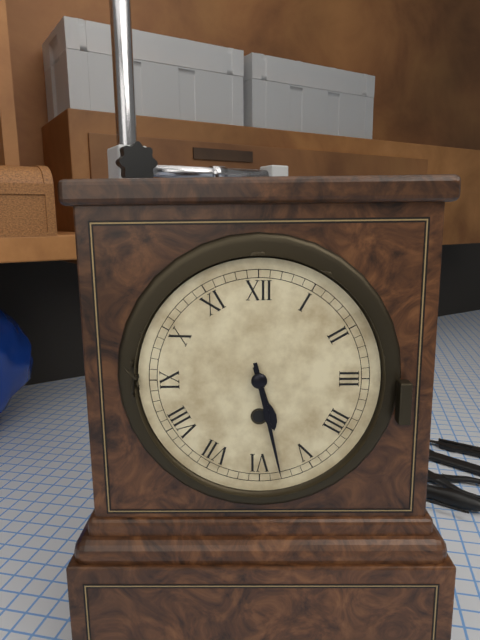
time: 5:28
